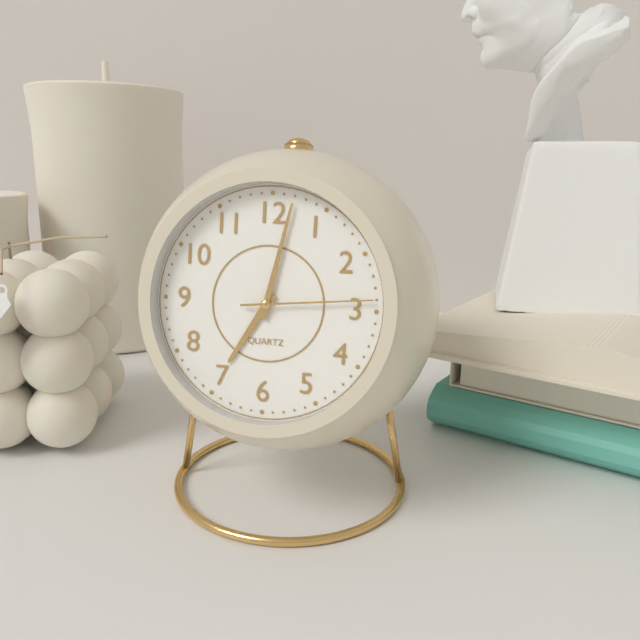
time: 7:02:14
